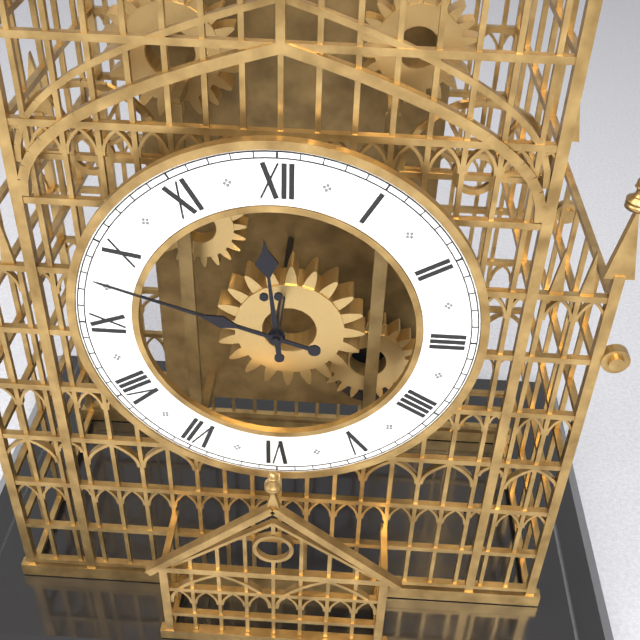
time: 11:48
